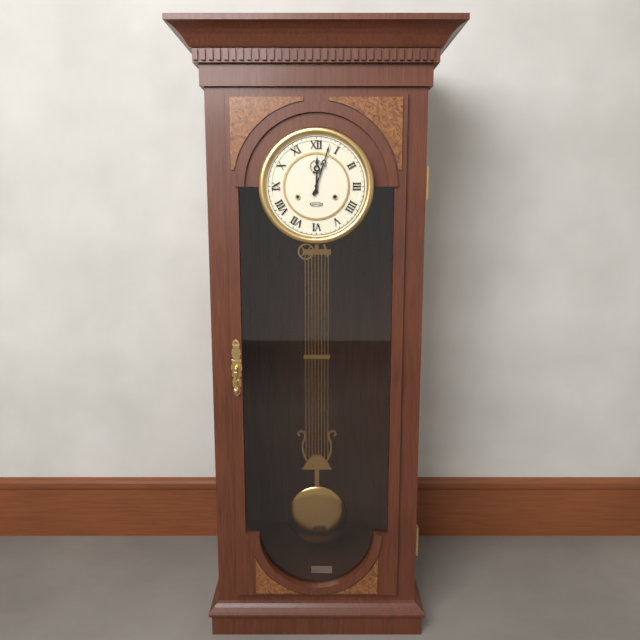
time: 12:03
